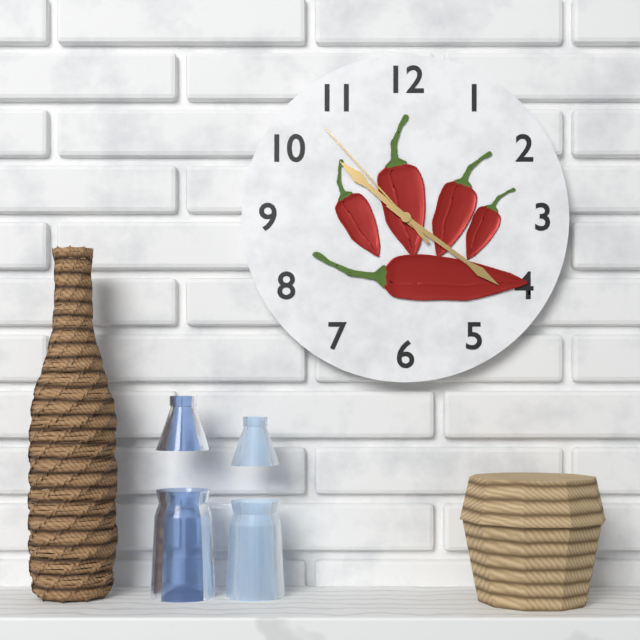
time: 10:21:53
